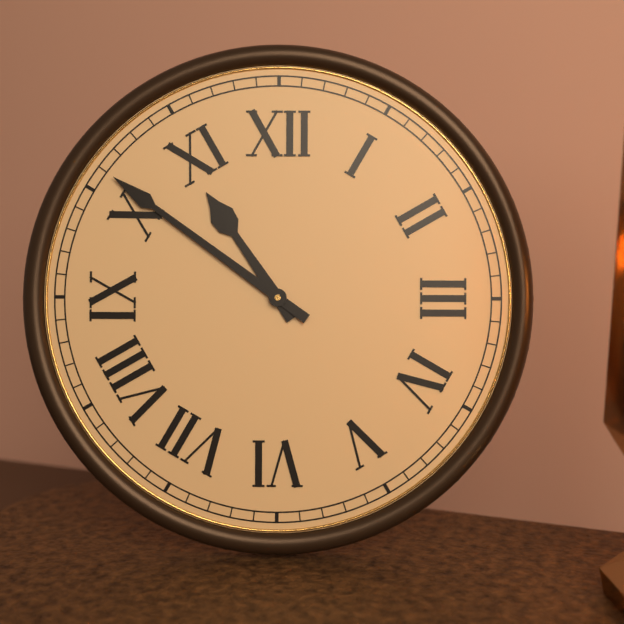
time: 10:51
